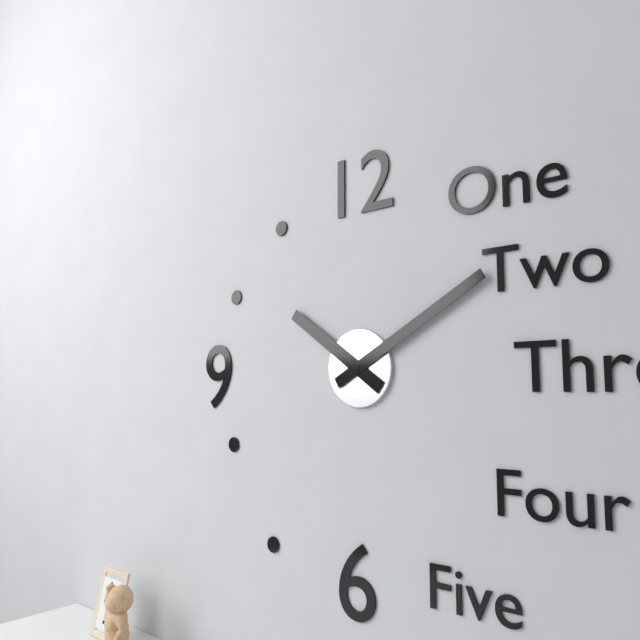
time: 10:10
